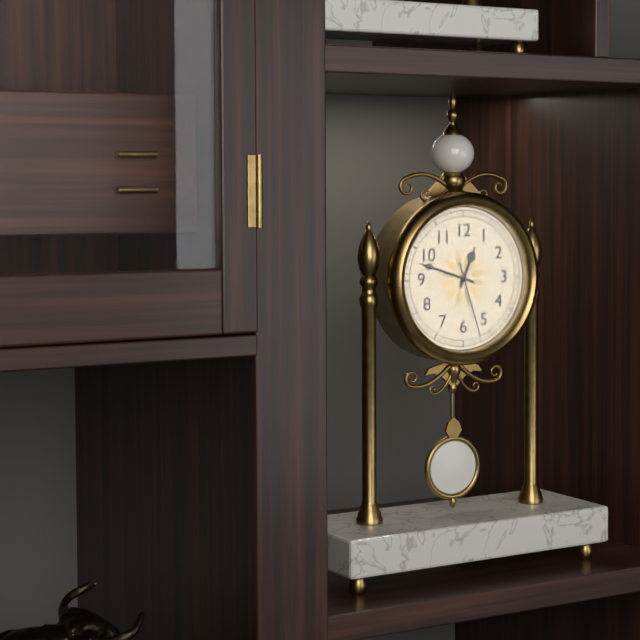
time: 12:48:27
